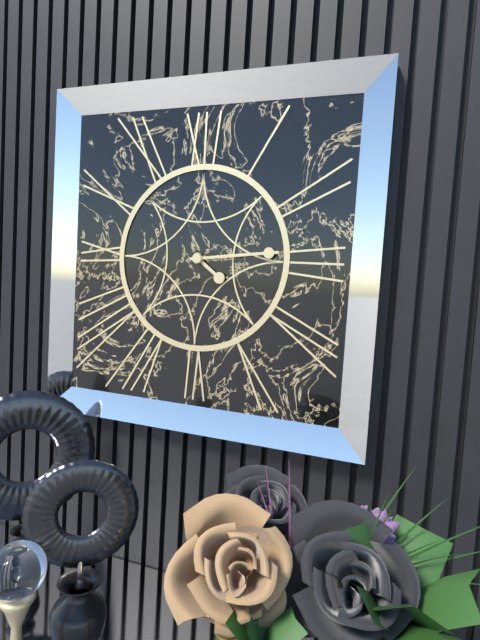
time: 4:14
